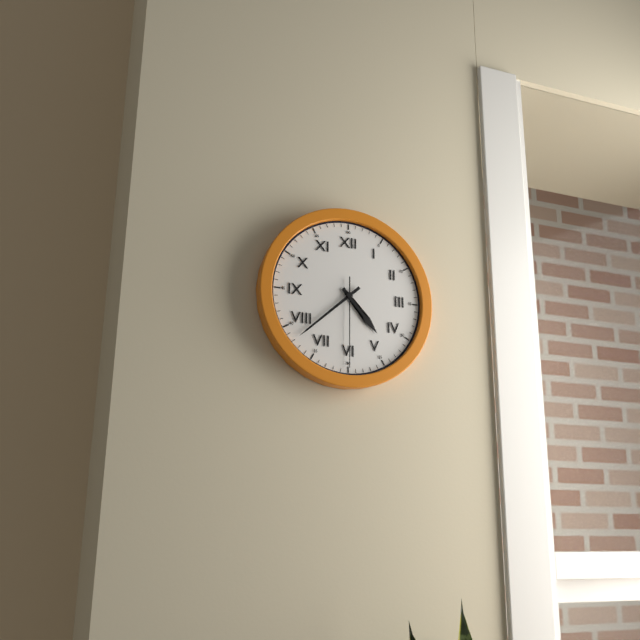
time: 4:38:30
